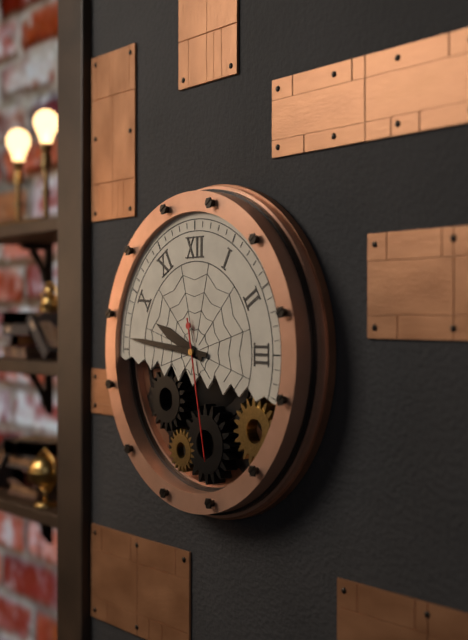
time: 9:46:28
